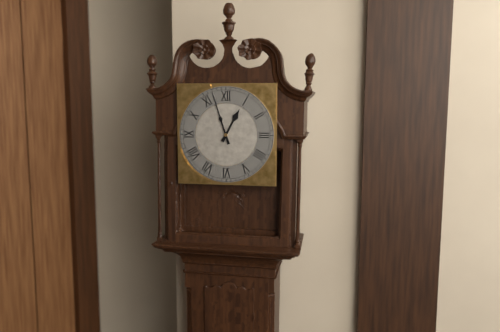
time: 12:57
